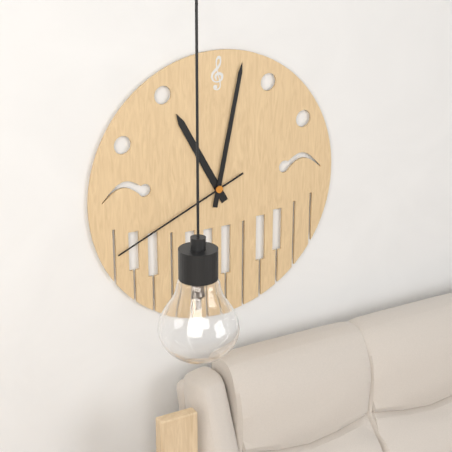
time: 11:02:41
